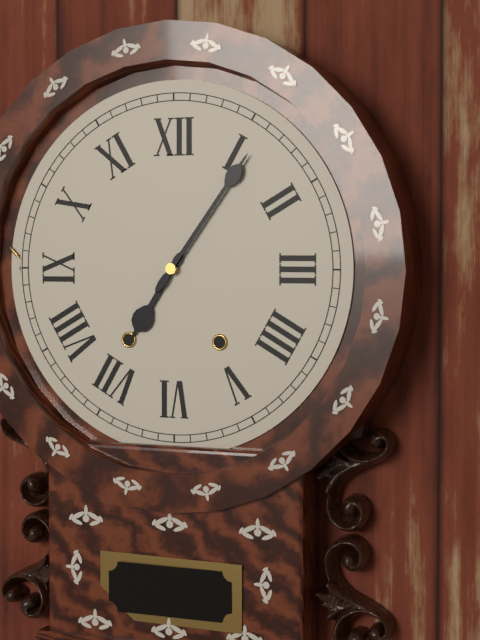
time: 7:06
